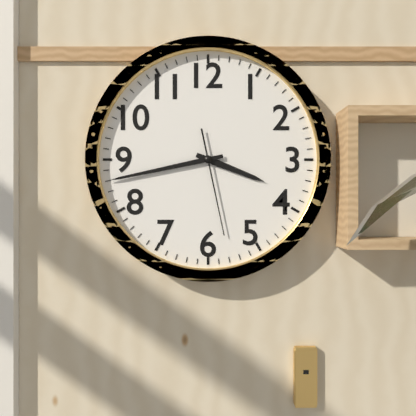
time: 3:43:28
